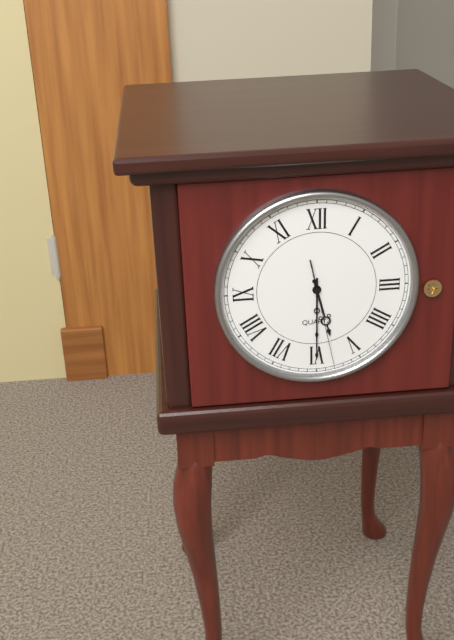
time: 5:30:28
